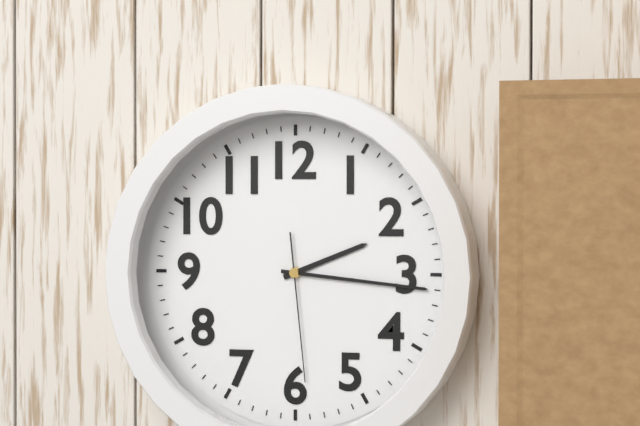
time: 2:16:29
